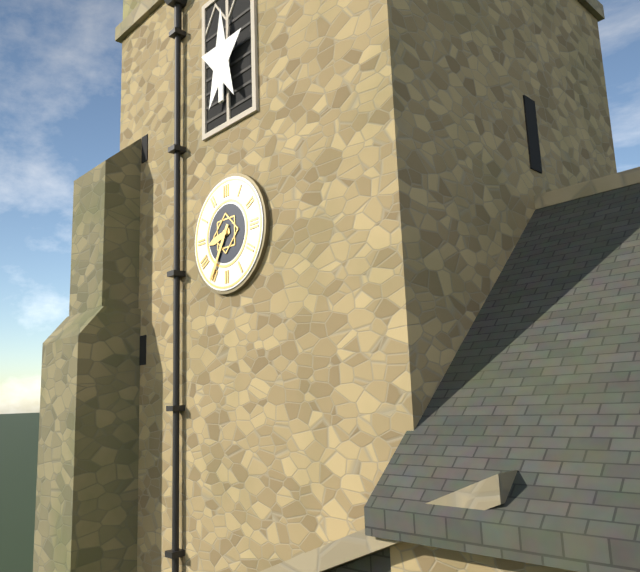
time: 8:35
